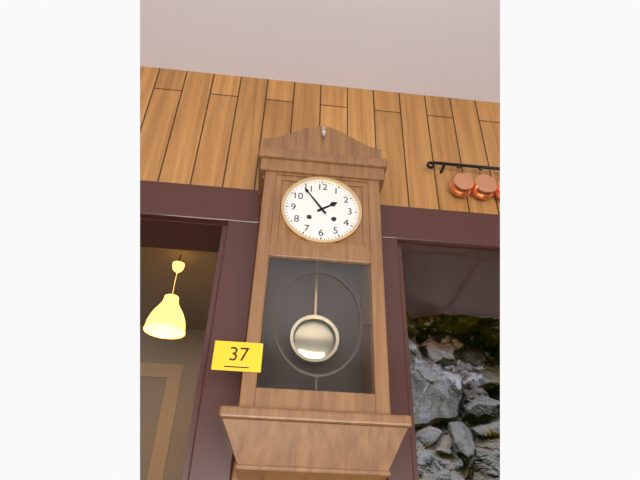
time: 1:54
